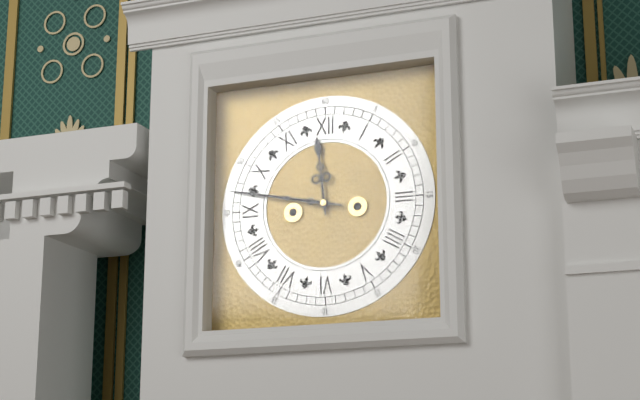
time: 11:47
